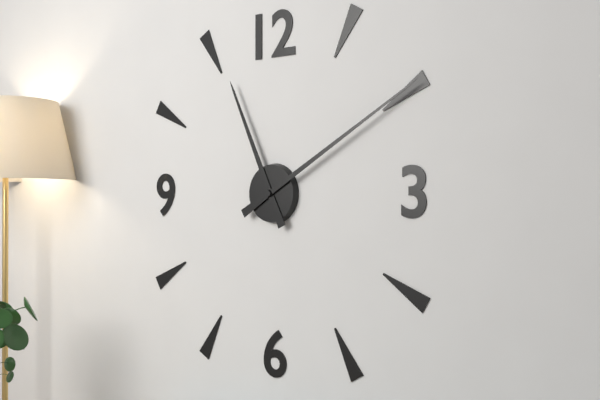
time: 11:10
